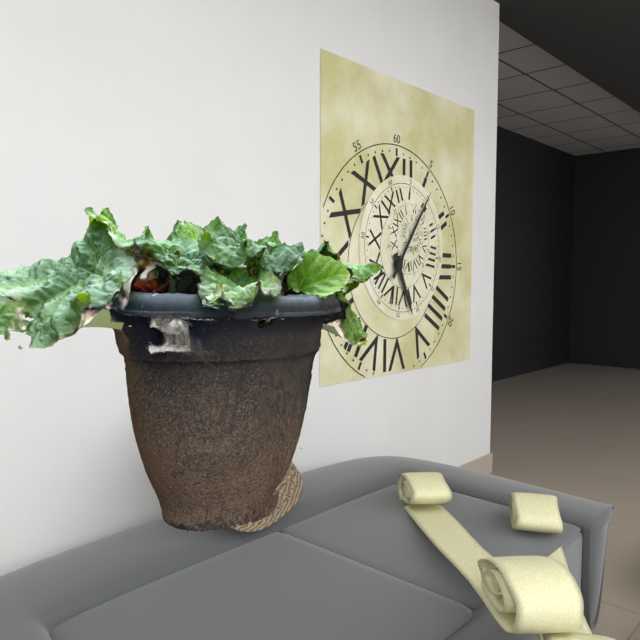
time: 5:06
